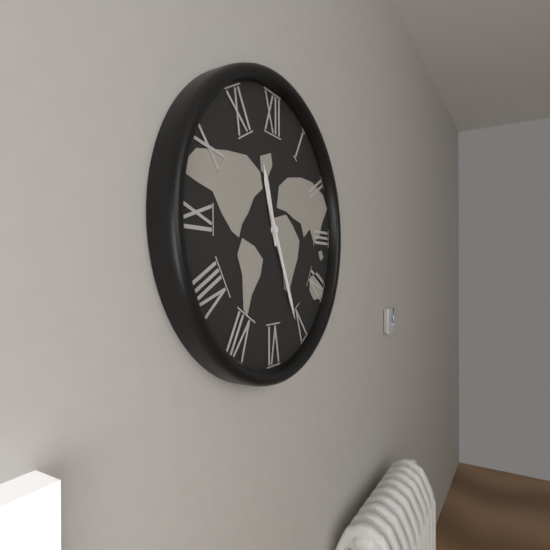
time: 11:26
